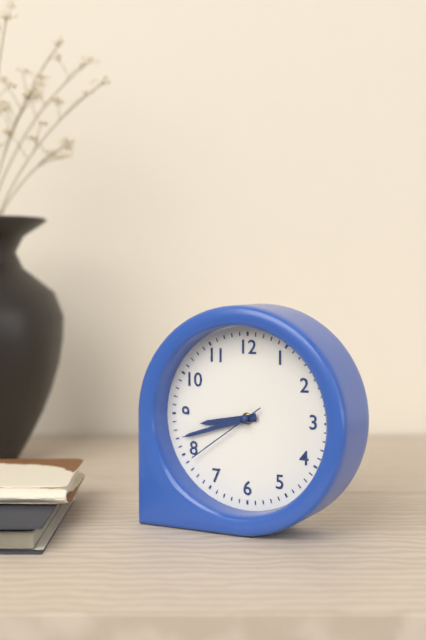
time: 8:42:39
